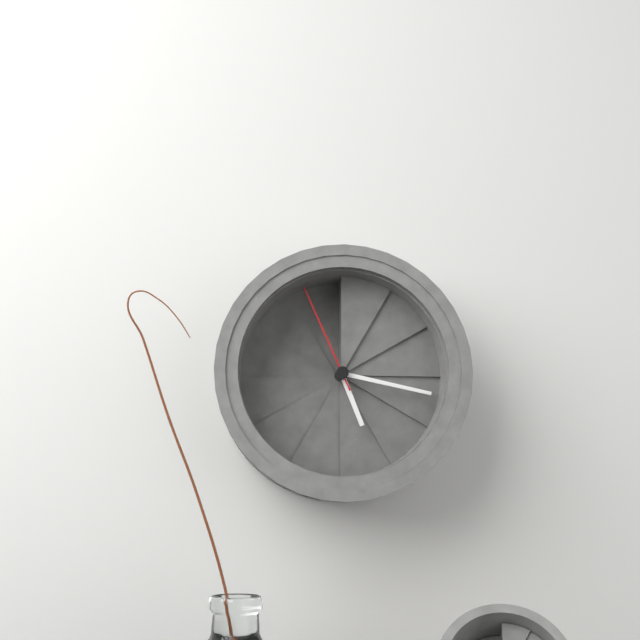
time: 5:17:56
